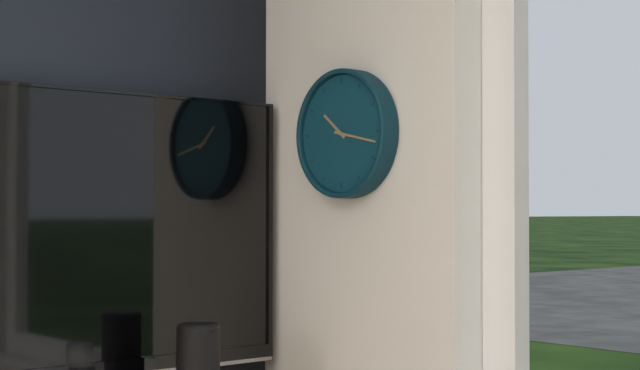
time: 10:17
